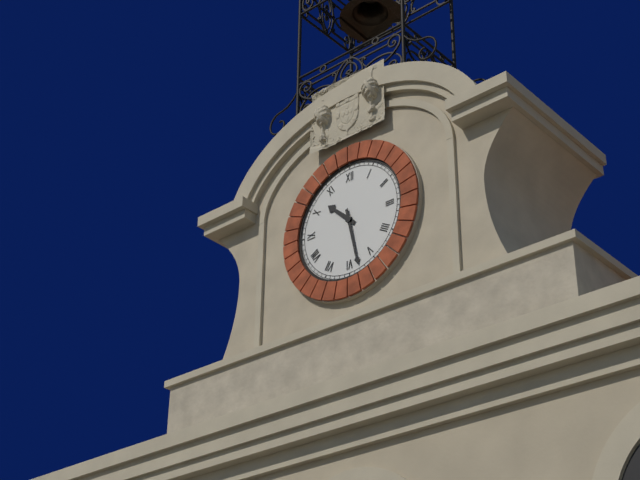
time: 10:28
